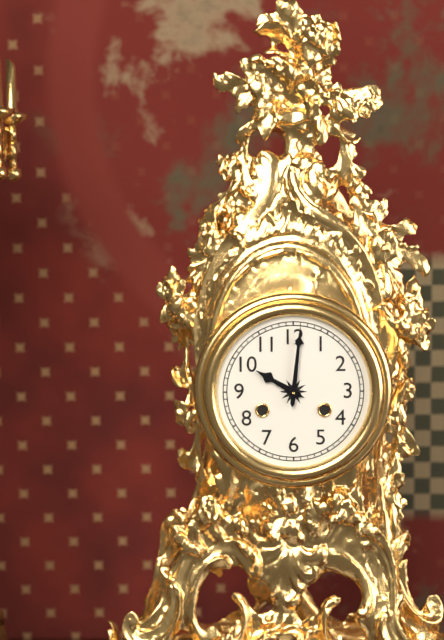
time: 10:01
